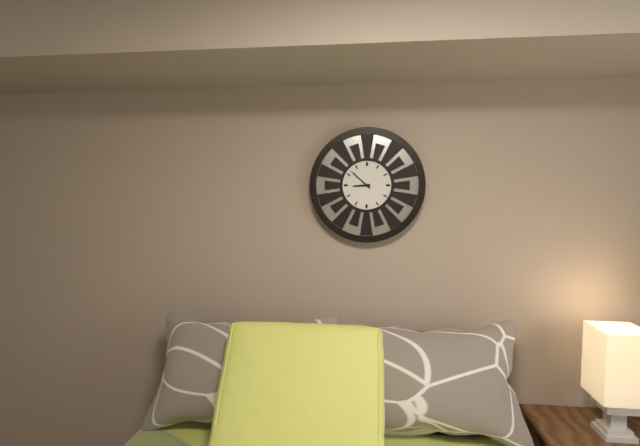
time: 8:52
